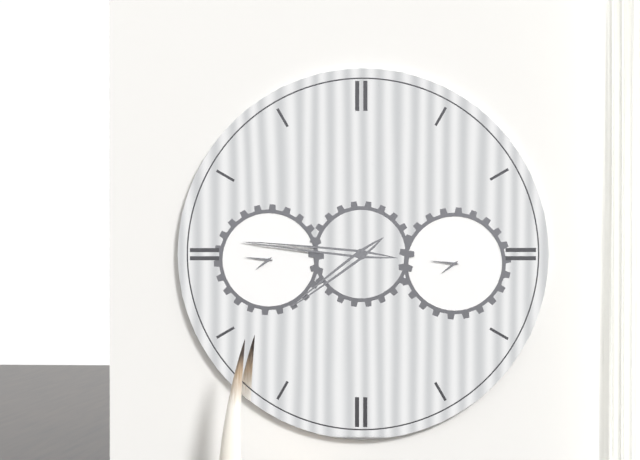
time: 7:46
